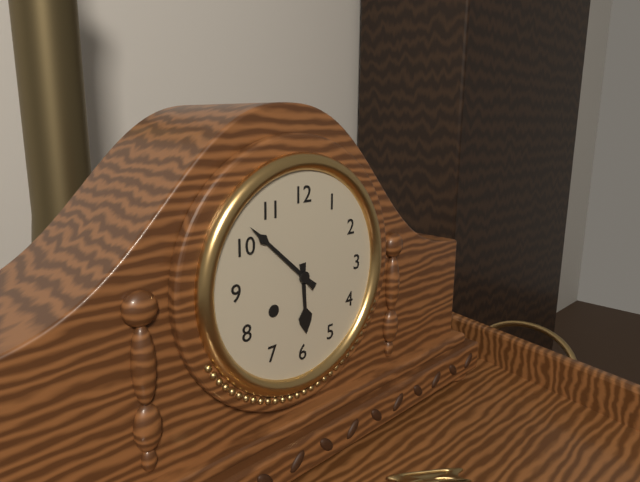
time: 5:52
